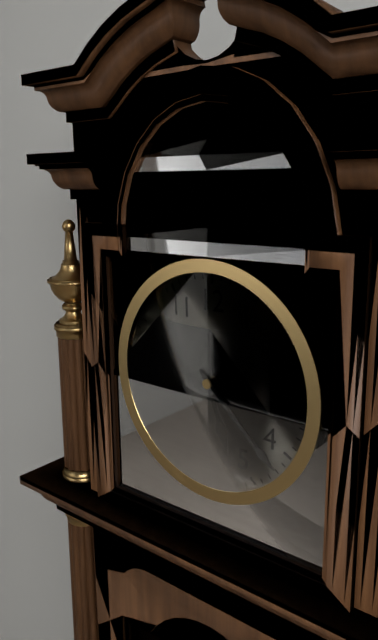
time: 5:22
